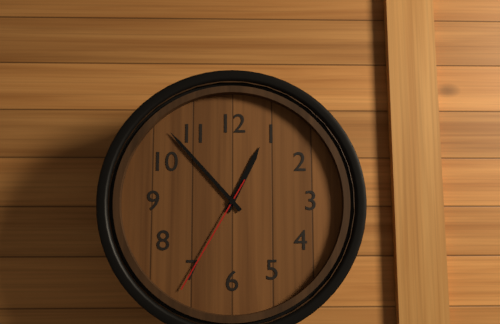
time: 12:53:35
